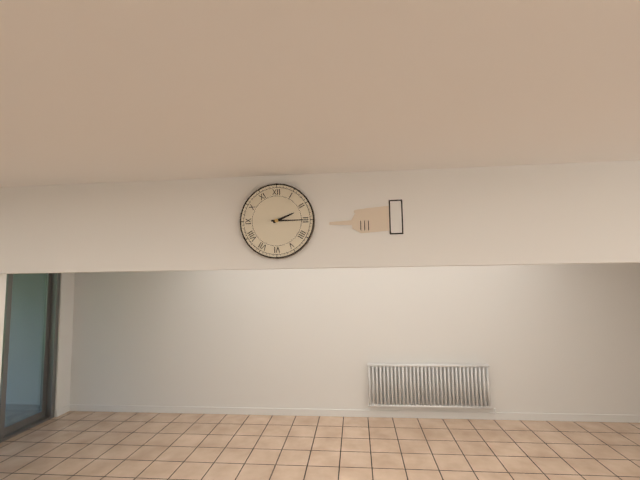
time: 2:15
